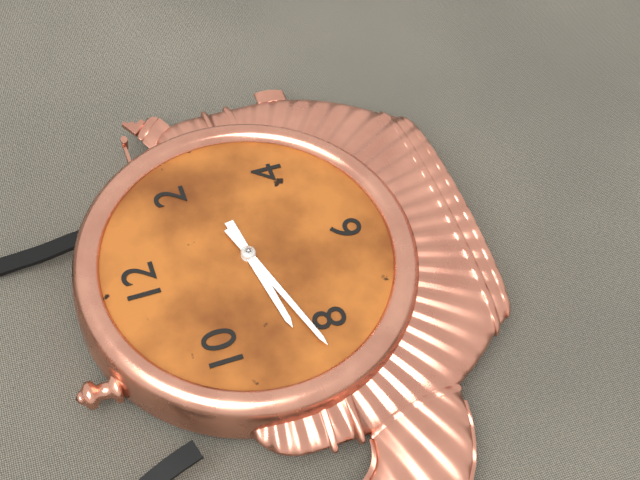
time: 8:42
